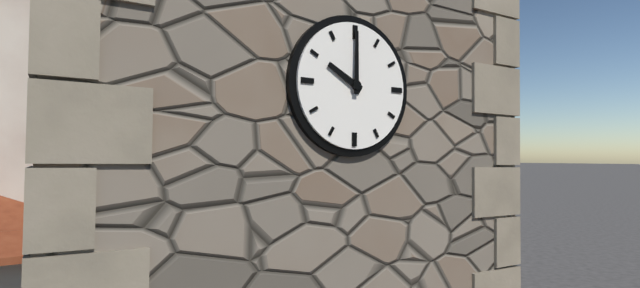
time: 10:00
